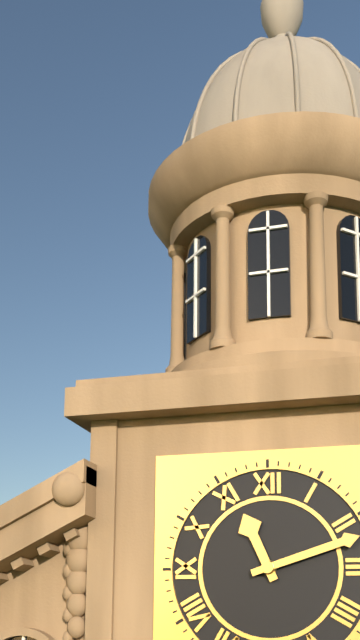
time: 11:12
